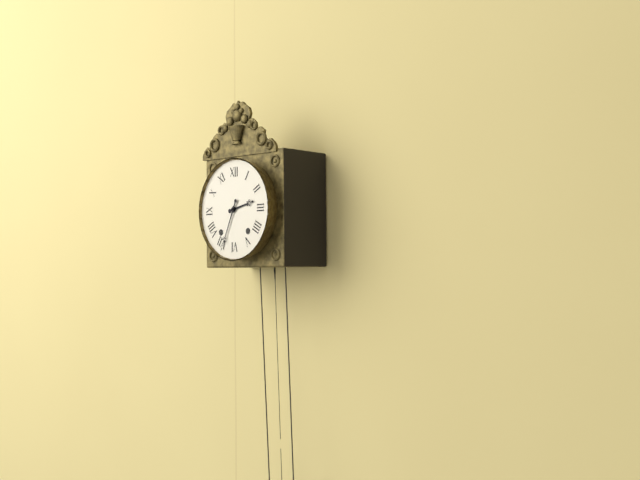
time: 2:34
